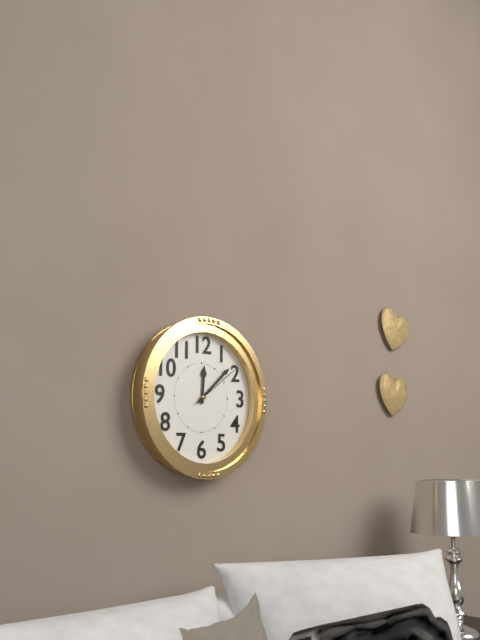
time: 12:08:09
